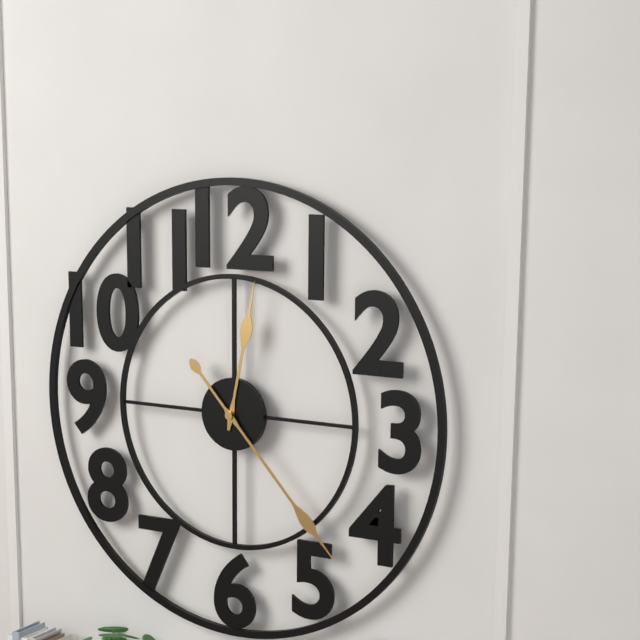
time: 12:23
